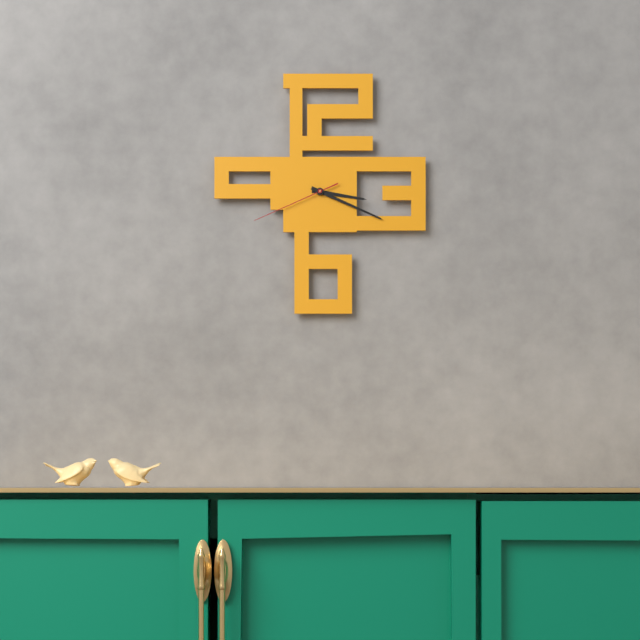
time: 3:19:41
